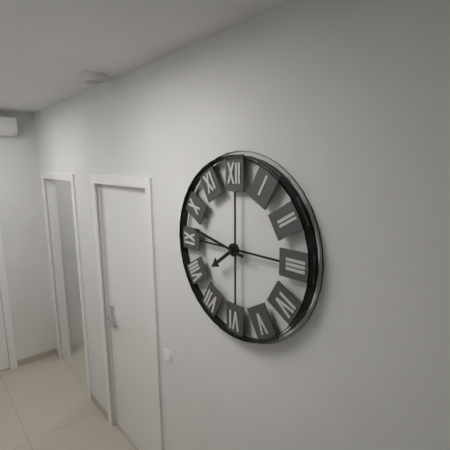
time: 7:47
